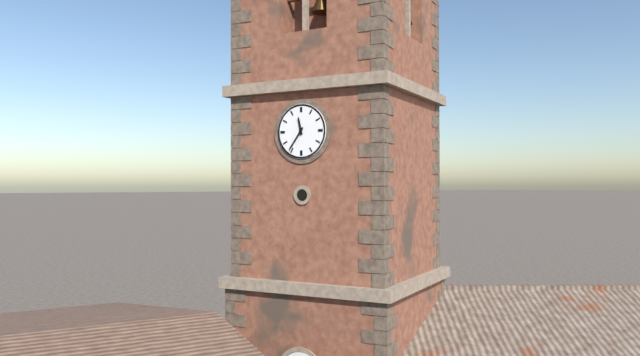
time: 11:36
